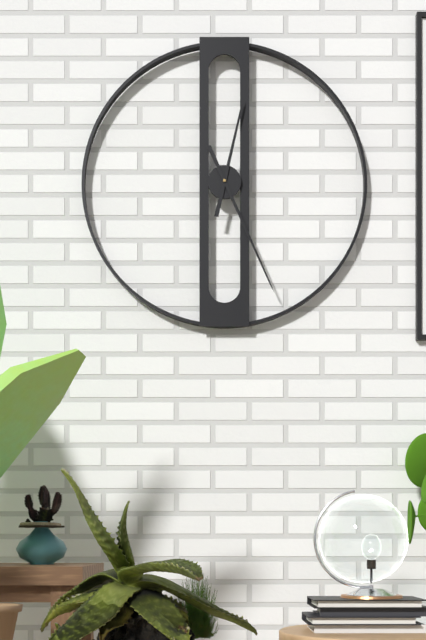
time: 12:26
